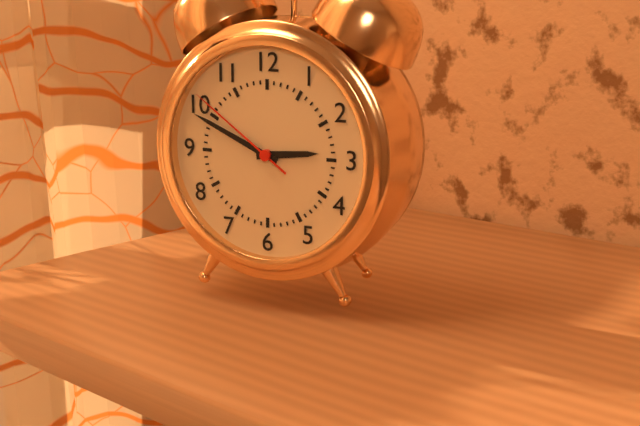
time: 2:49:51
